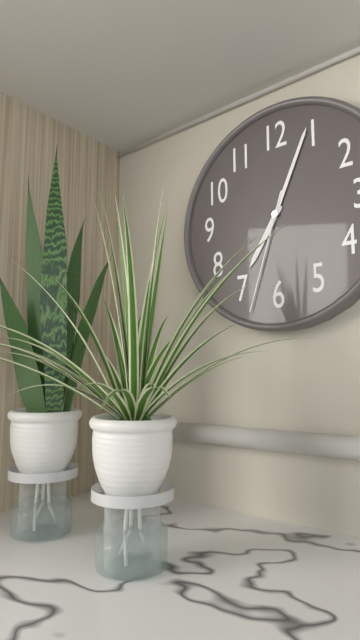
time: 7:04:33
